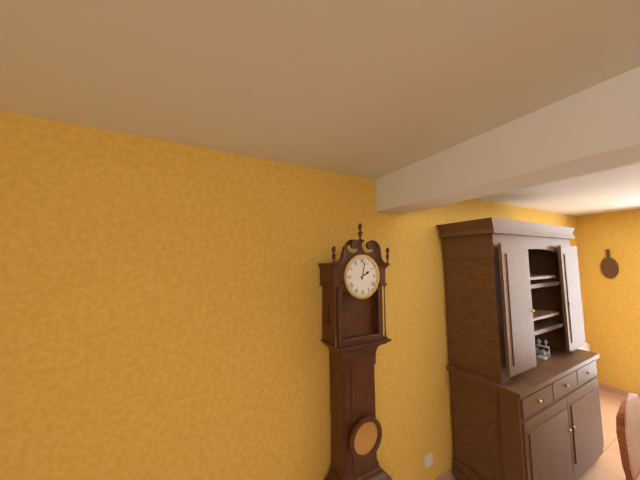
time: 2:02
